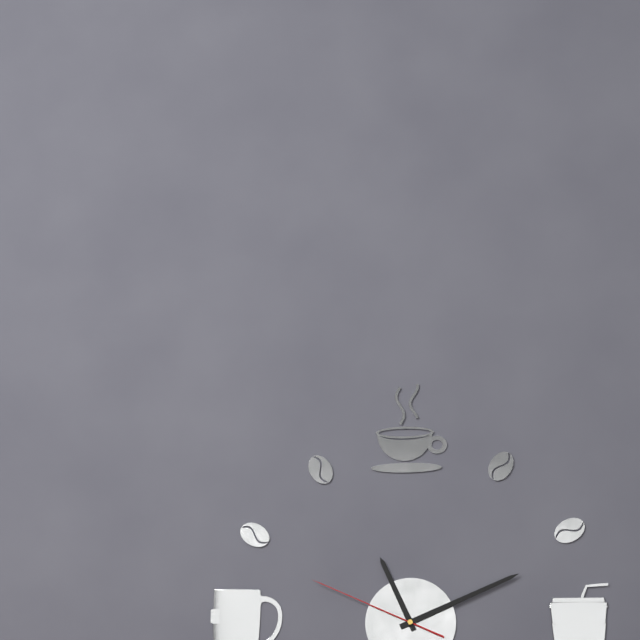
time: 11:11:49
